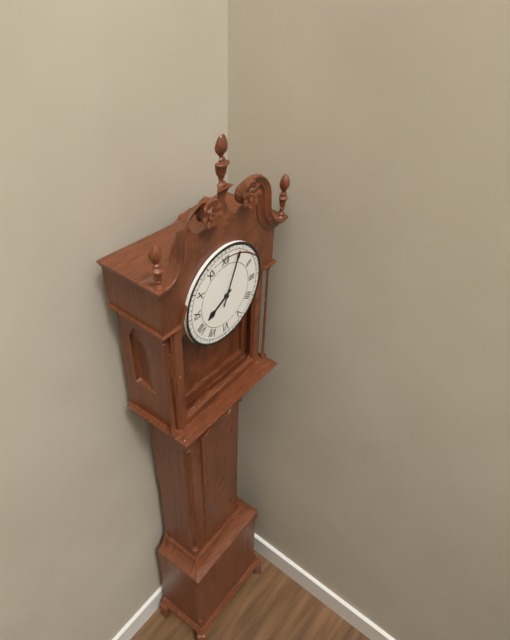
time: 8:04
